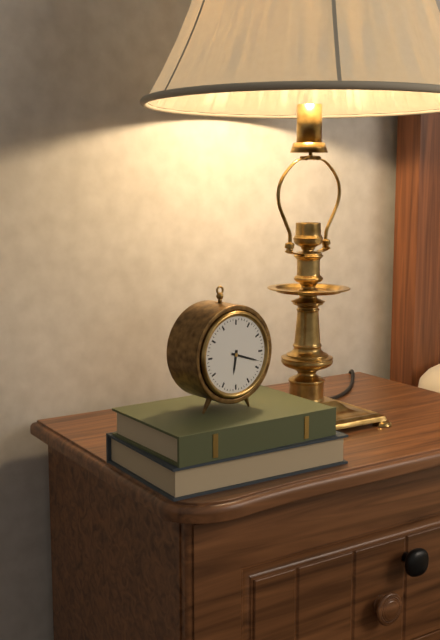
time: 6:18
